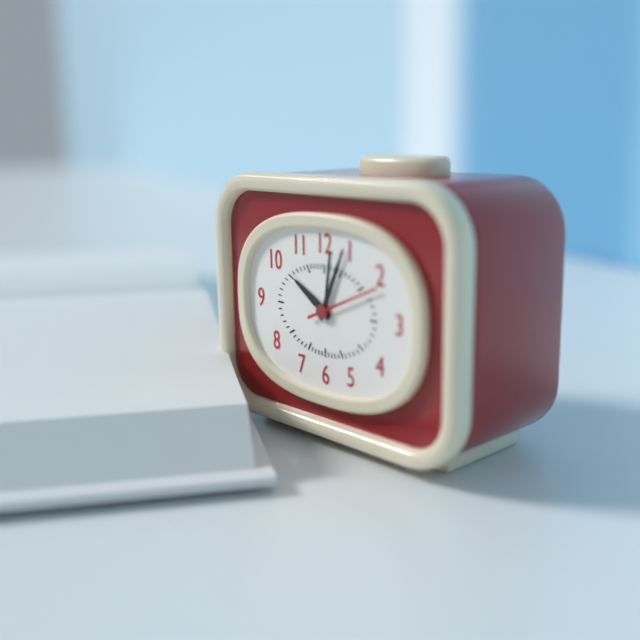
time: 10:04
